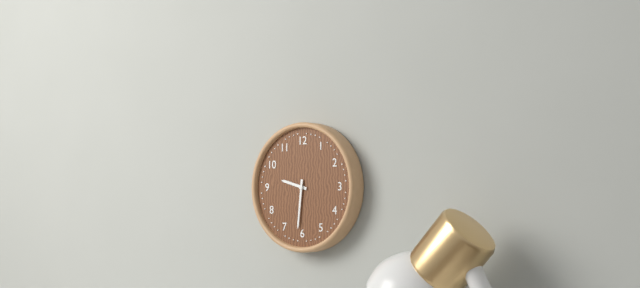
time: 9:31
